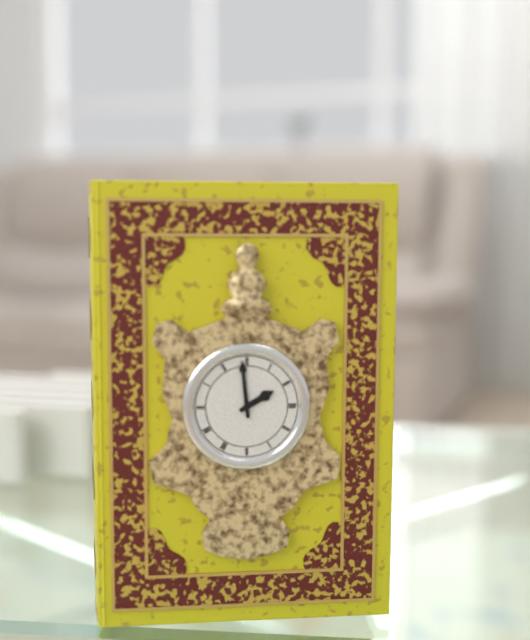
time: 1:59
